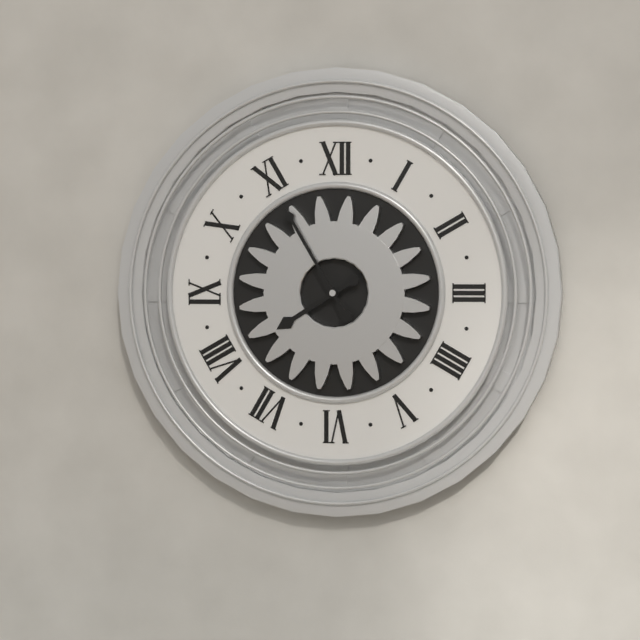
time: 7:55
